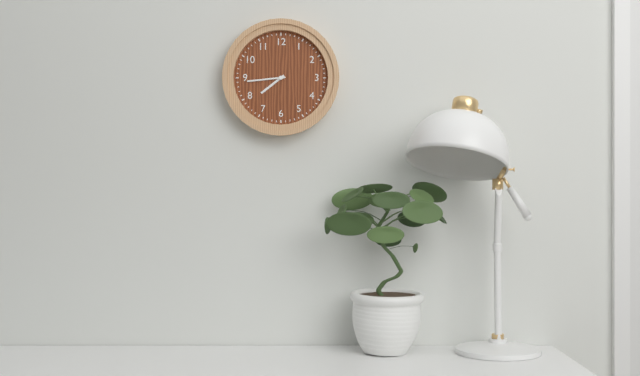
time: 7:44
